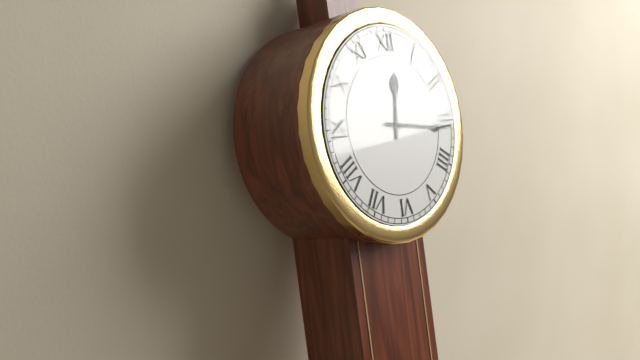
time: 12:16
